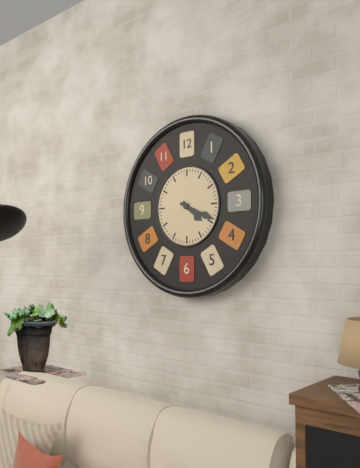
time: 4:19
